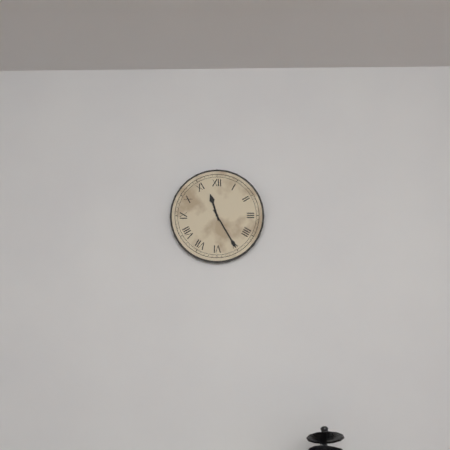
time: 11:25
